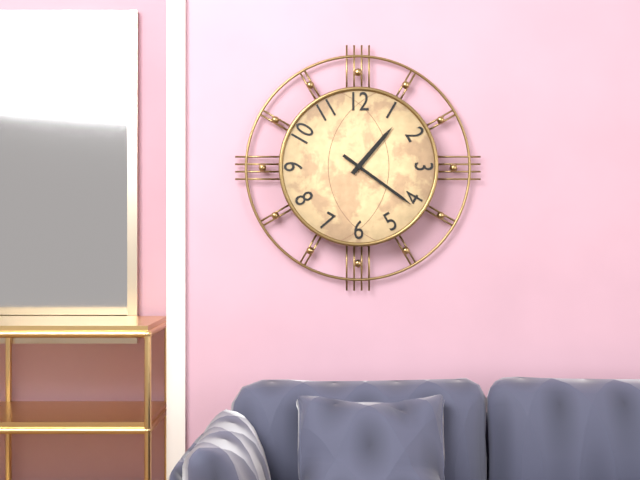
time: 1:21
